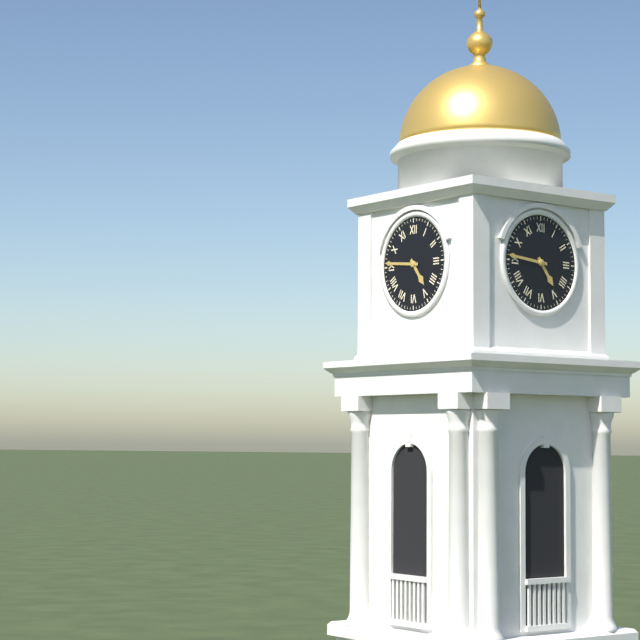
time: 4:46
